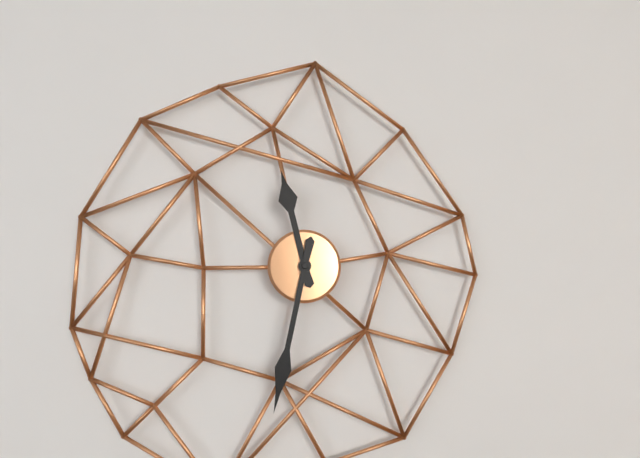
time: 11:32
